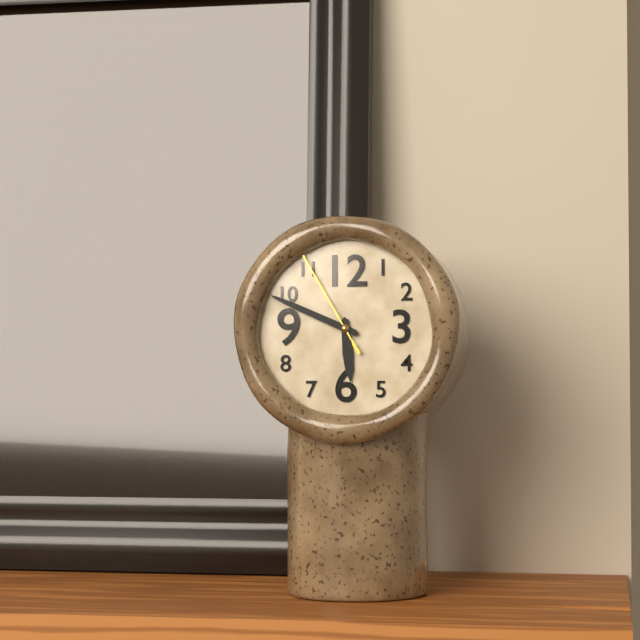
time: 5:49:55
